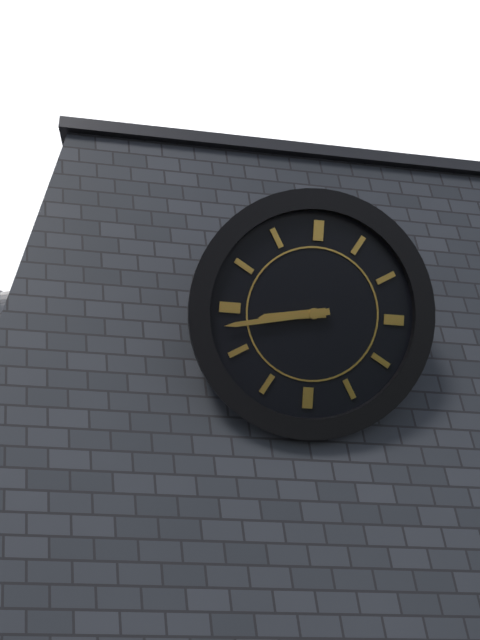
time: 8:43
